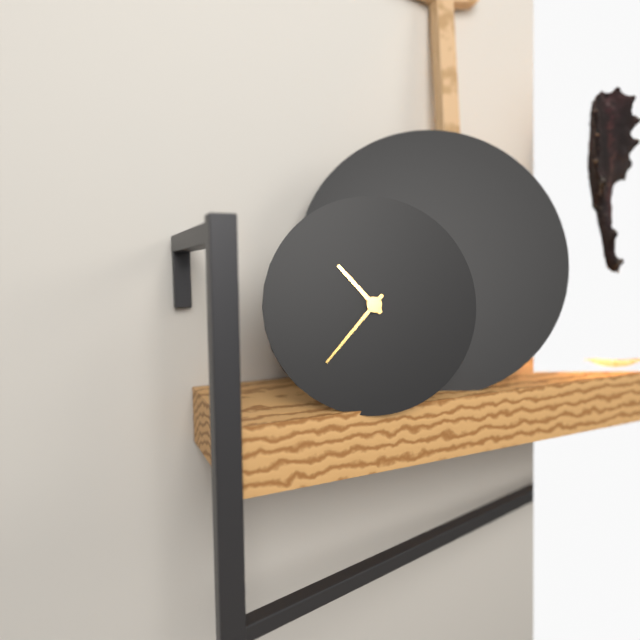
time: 10:37
